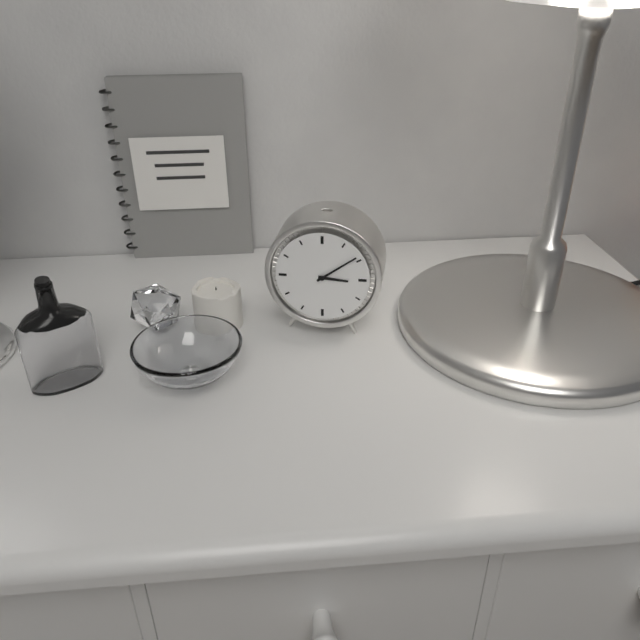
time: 3:09
